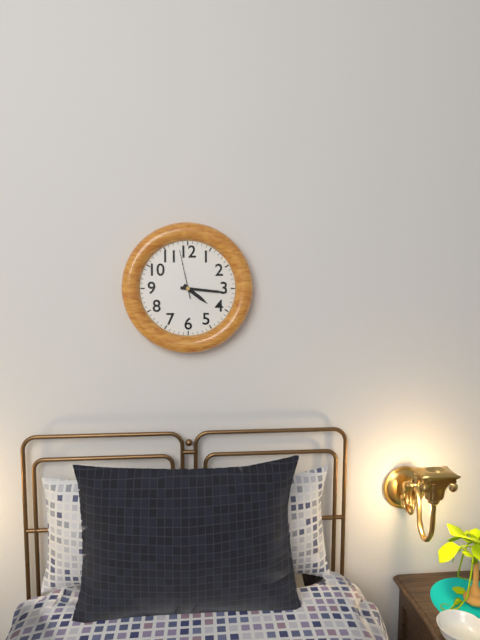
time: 4:16
